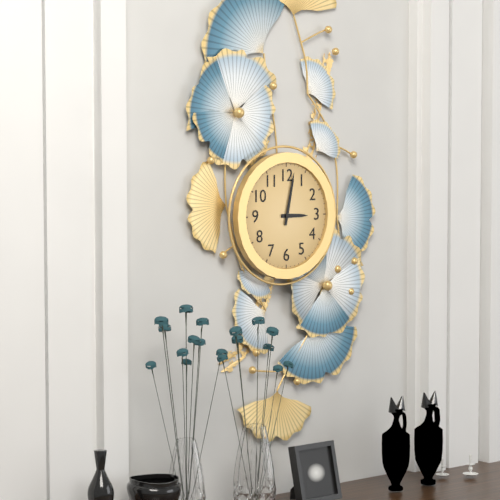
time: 3:02
